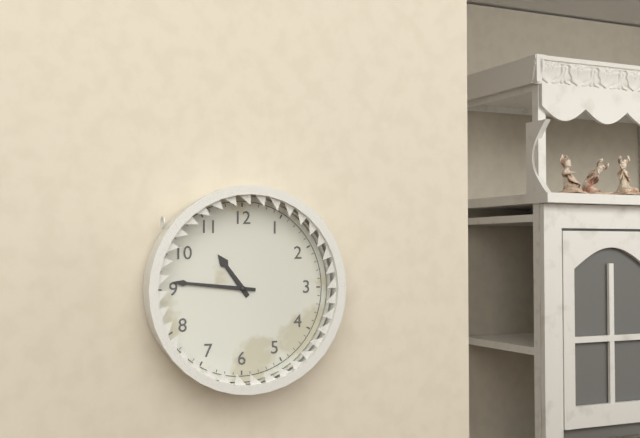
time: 10:46
